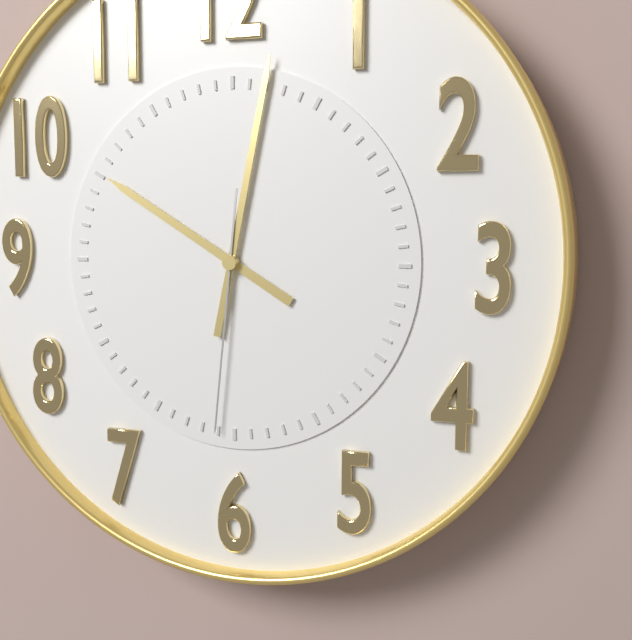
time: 10:02:31
